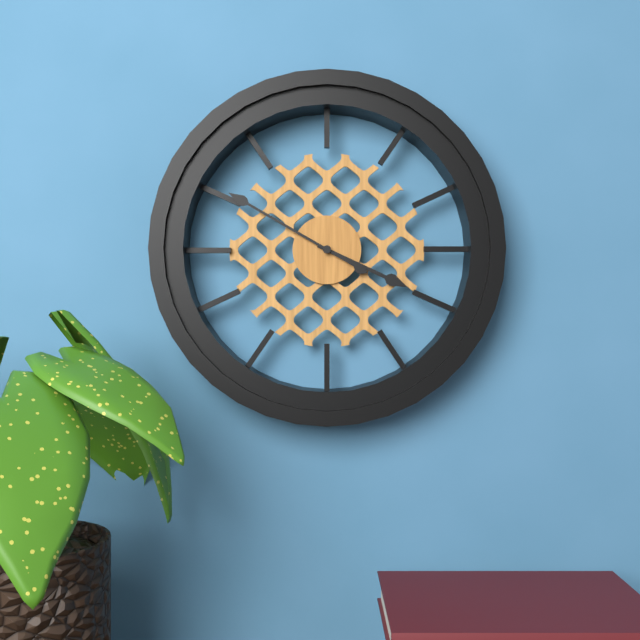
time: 3:50
